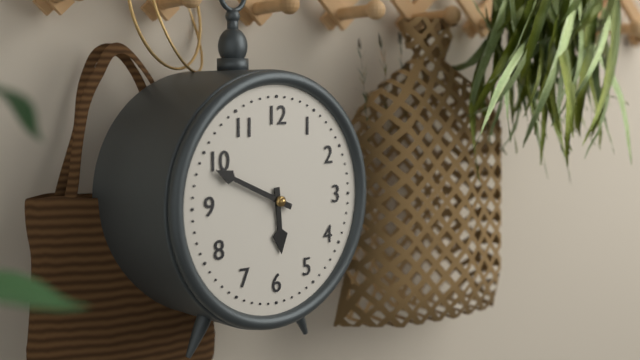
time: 5:49
